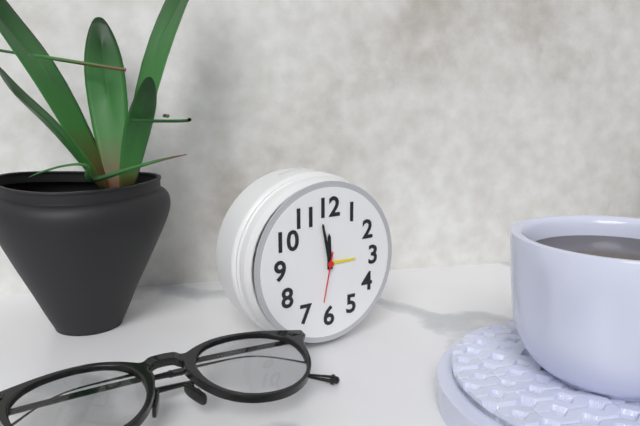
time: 11:58:32
